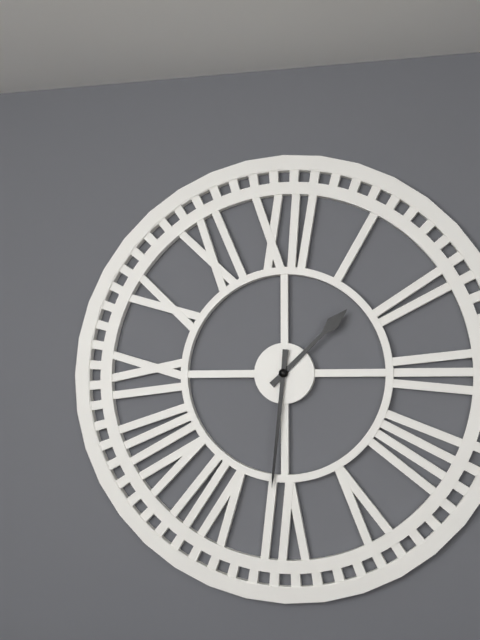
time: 1:31
